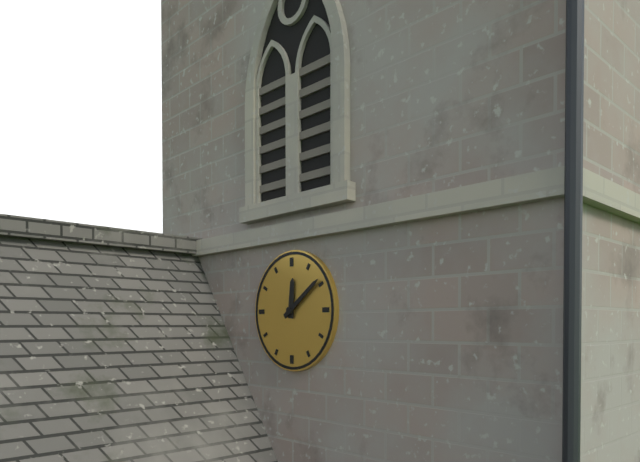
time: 12:09
